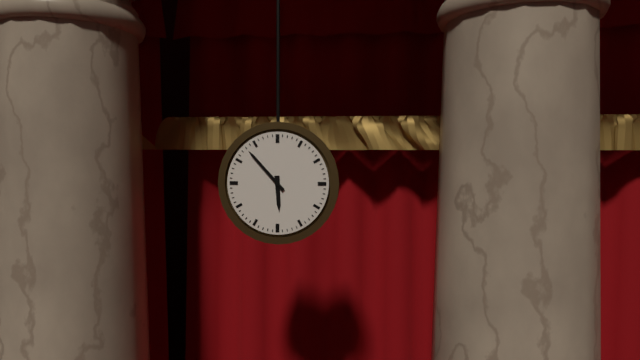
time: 5:53
